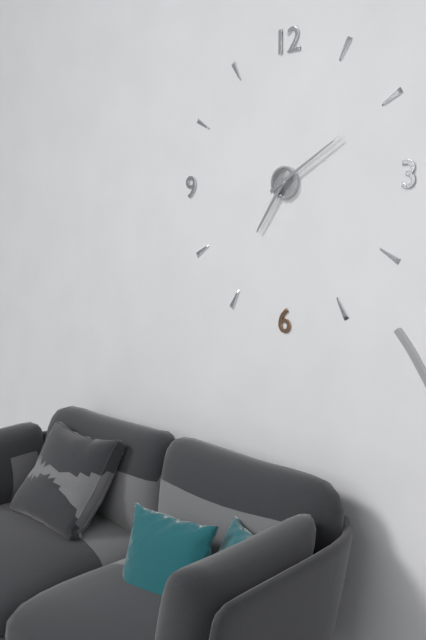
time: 7:10
